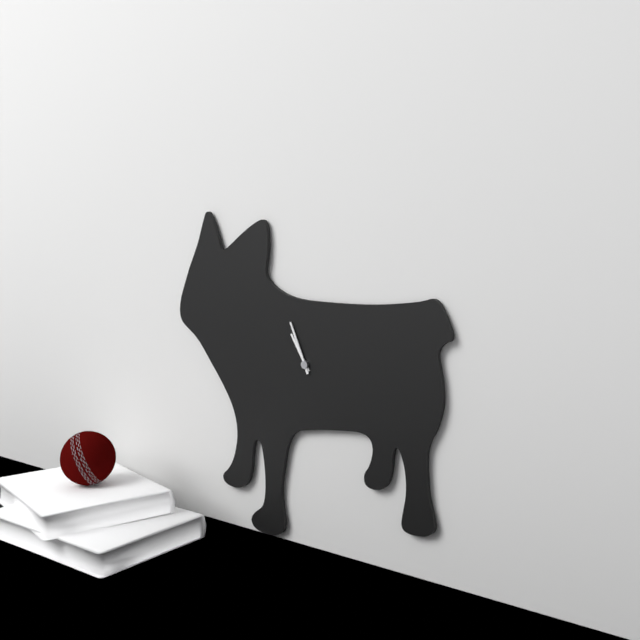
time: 10:56
